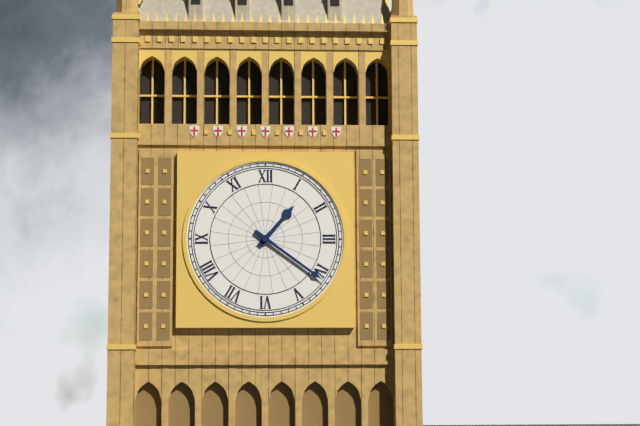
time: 1:21
